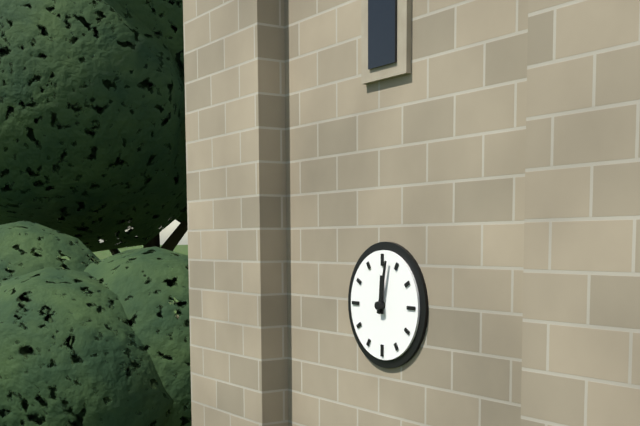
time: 12:02
